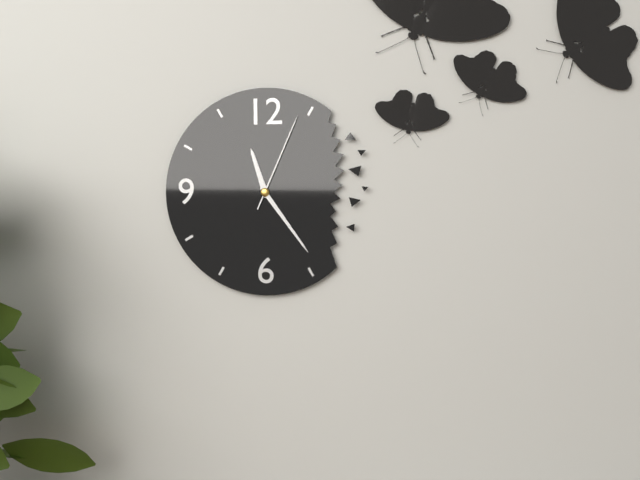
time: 11:24:04
